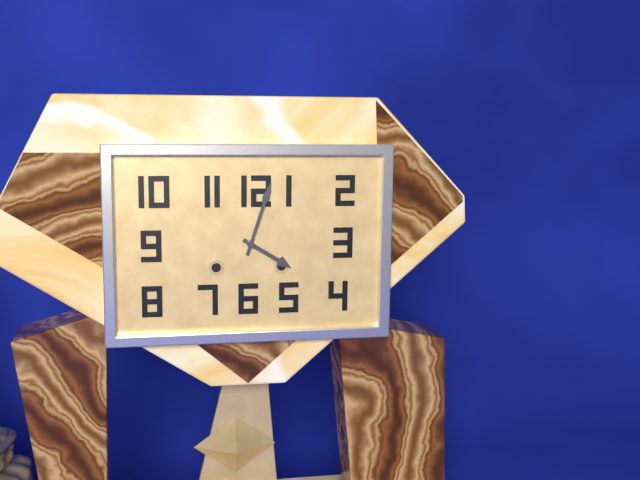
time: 4:03
